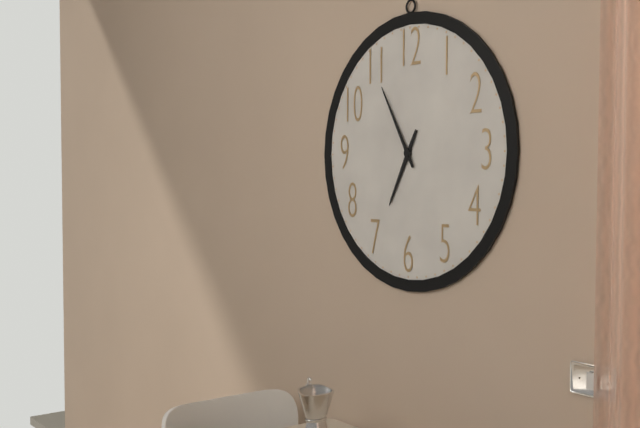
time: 6:55
